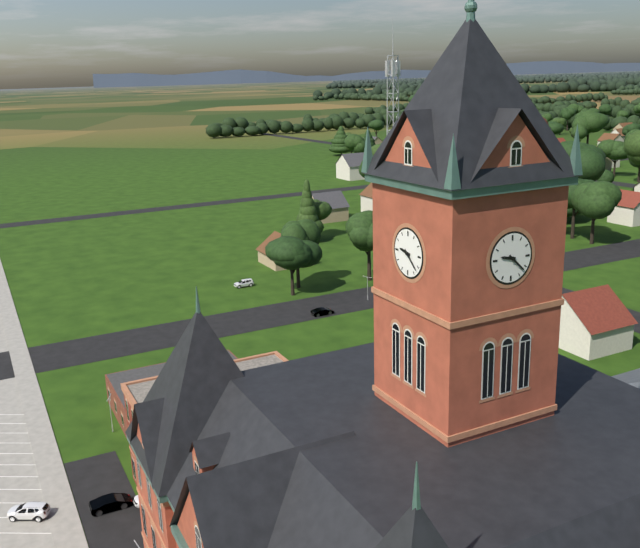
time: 9:22
